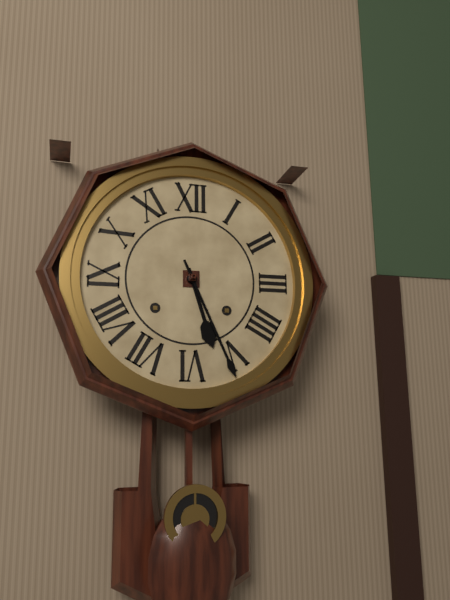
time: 5:26
